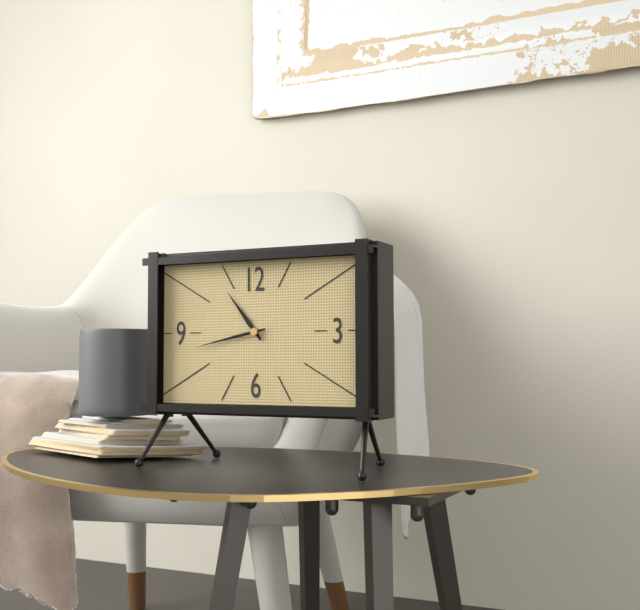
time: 10:43
